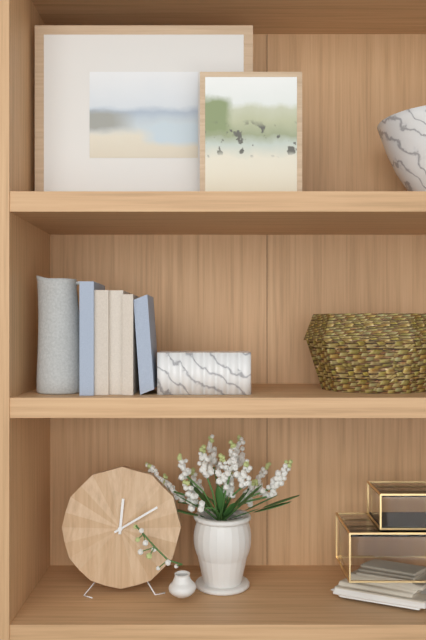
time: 12:10
